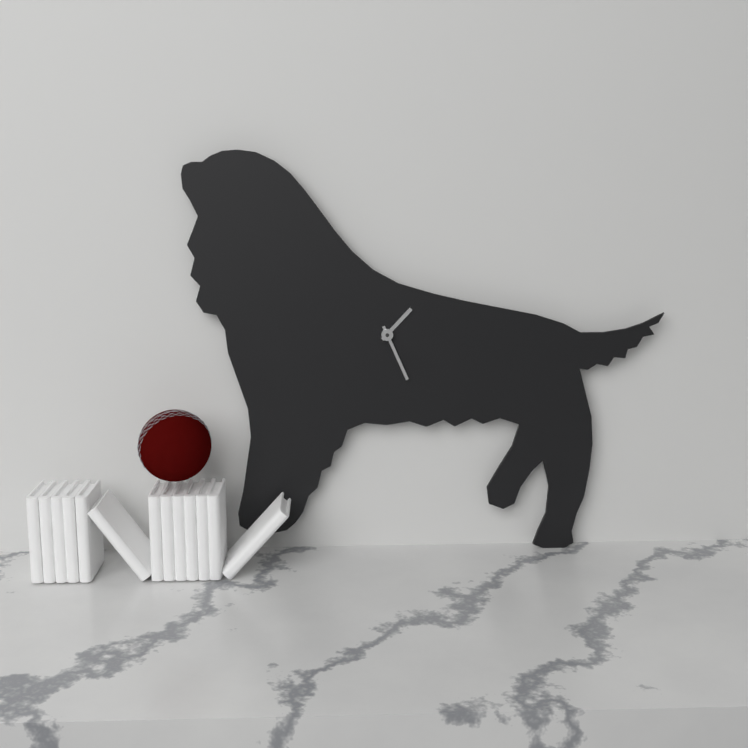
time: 1:26
